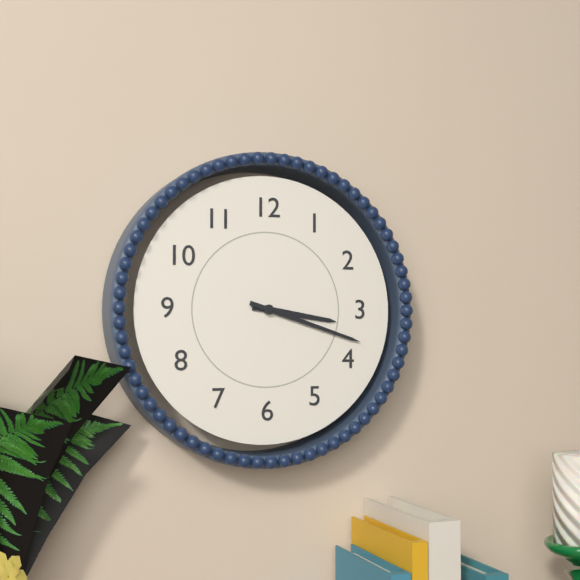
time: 3:18
